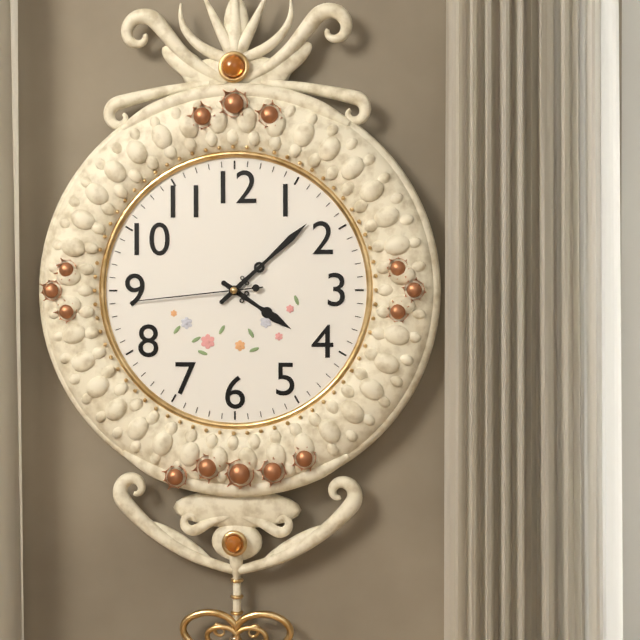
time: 4:08:44
